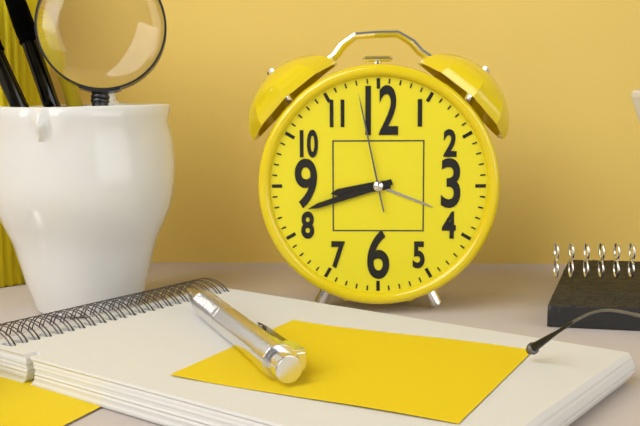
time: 8:42:58
